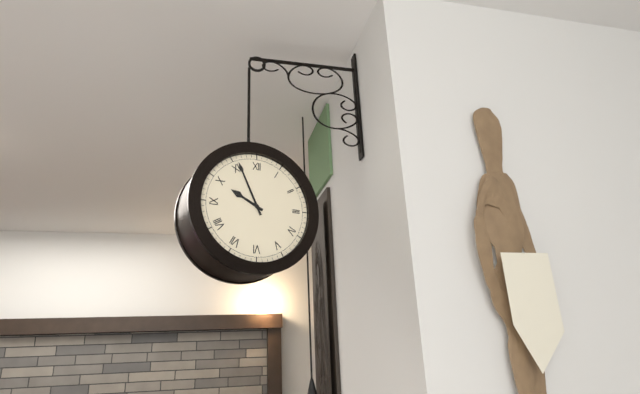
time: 9:56
